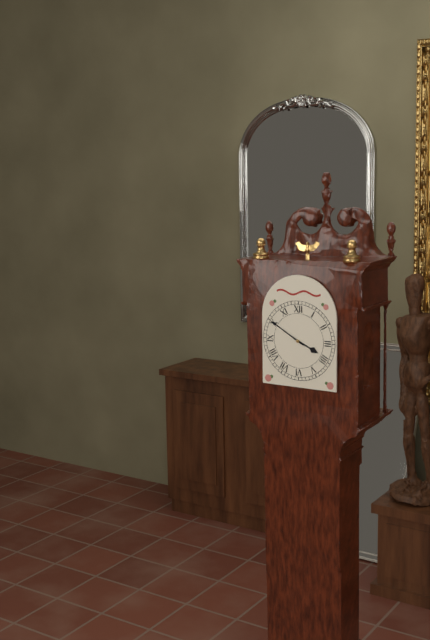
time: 3:50
